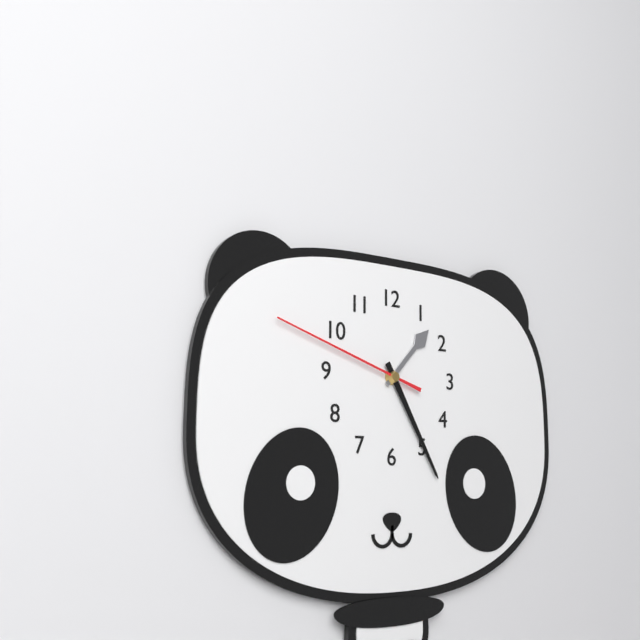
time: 1:25:48
